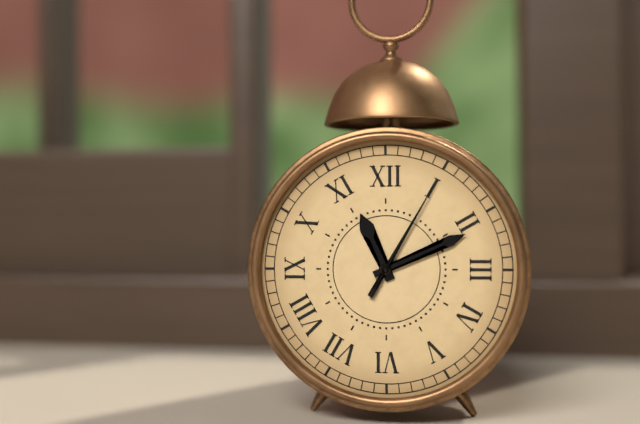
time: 11:11:05
